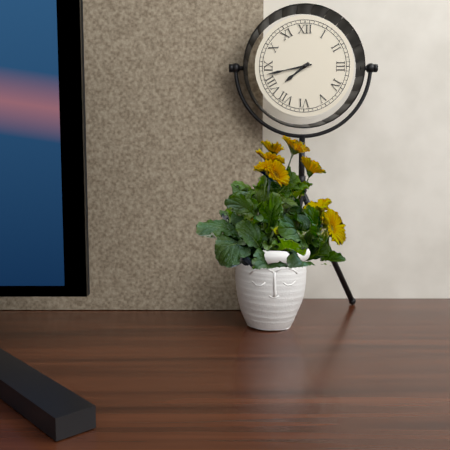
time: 7:43
